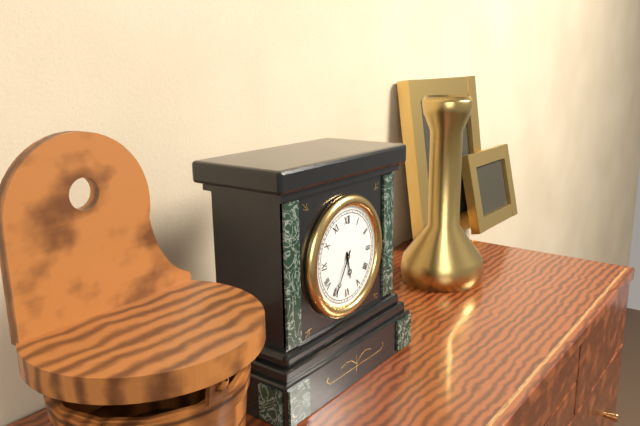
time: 5:35
